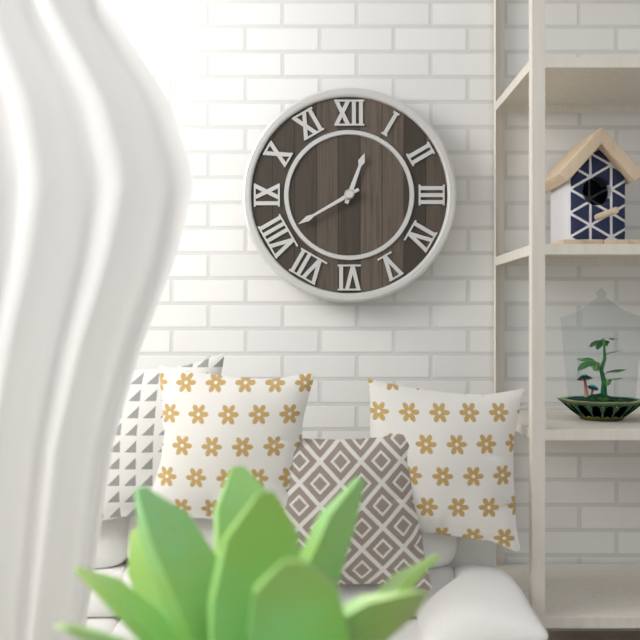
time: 12:40
